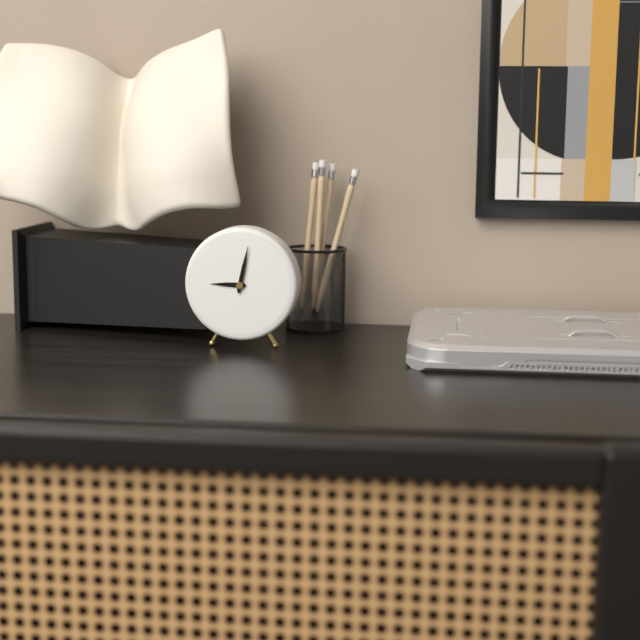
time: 9:02
